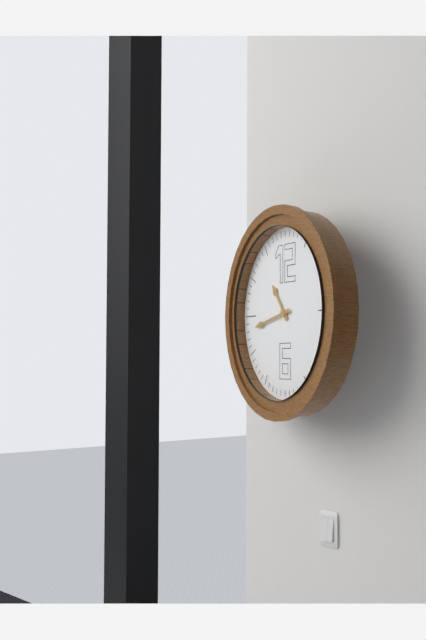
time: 10:43
